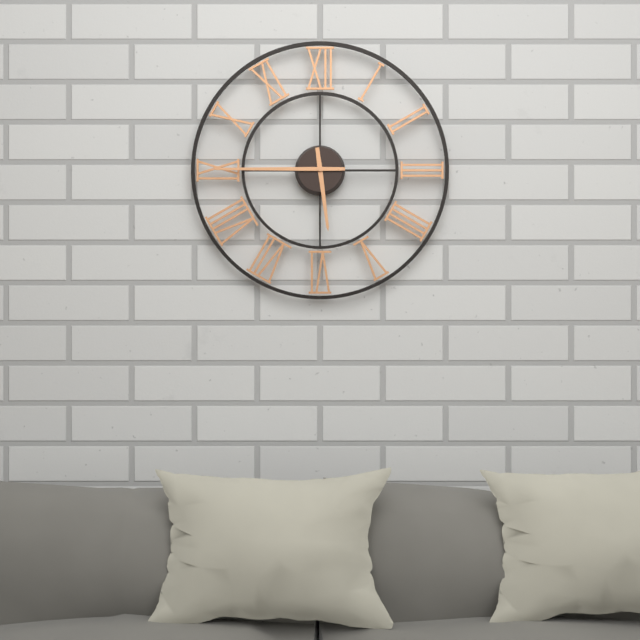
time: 5:45
